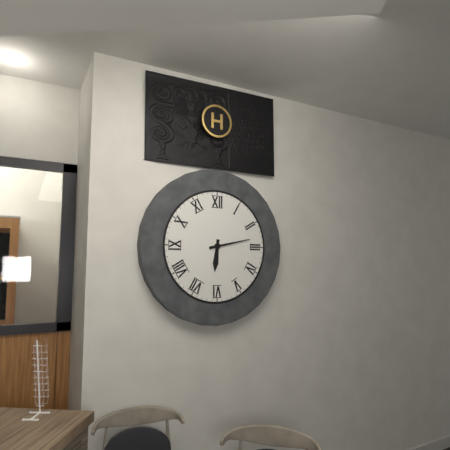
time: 6:13
